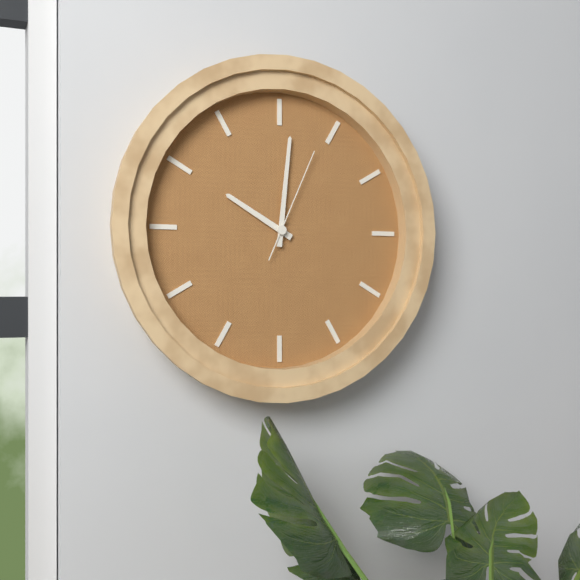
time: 10:01:04
